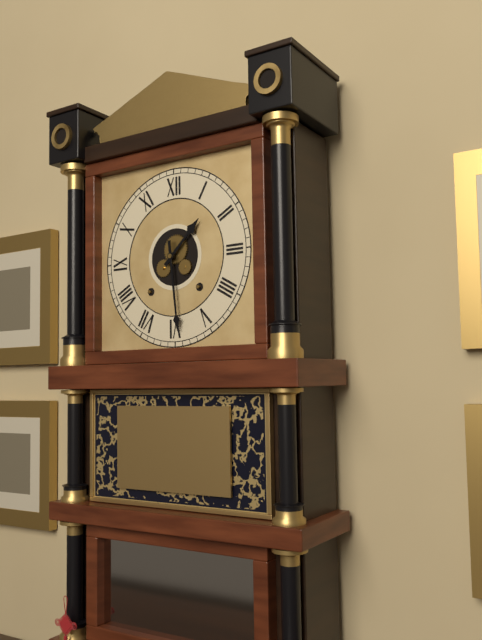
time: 1:29
